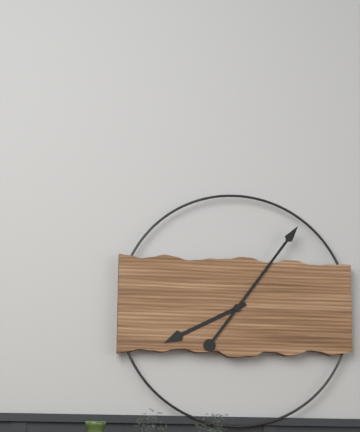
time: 8:06
